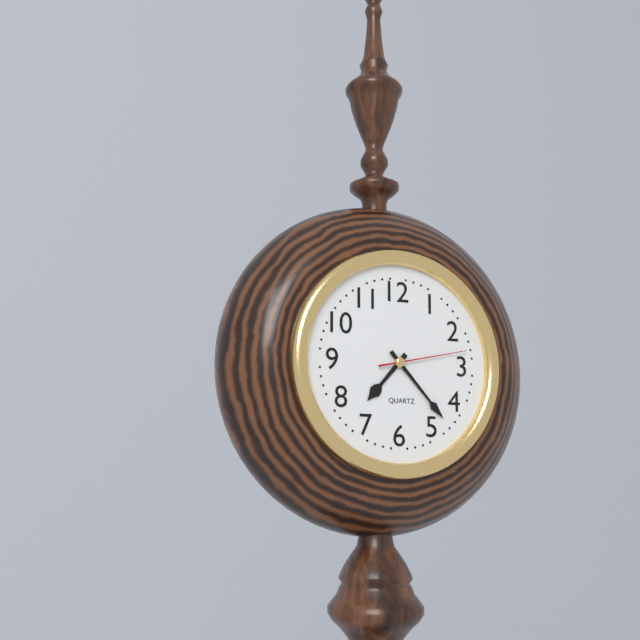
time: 7:23:13
